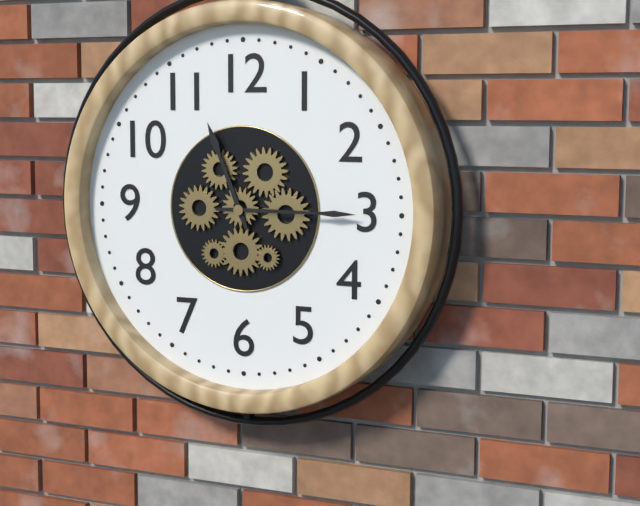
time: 11:15
